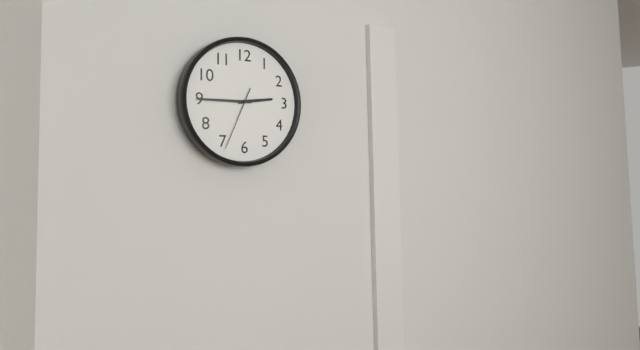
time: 2:45:34
